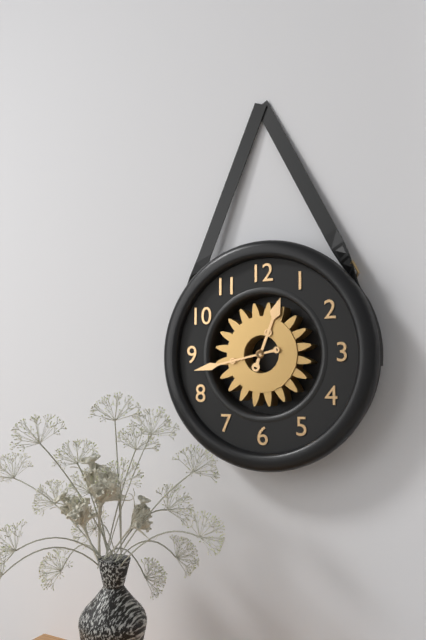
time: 12:43
